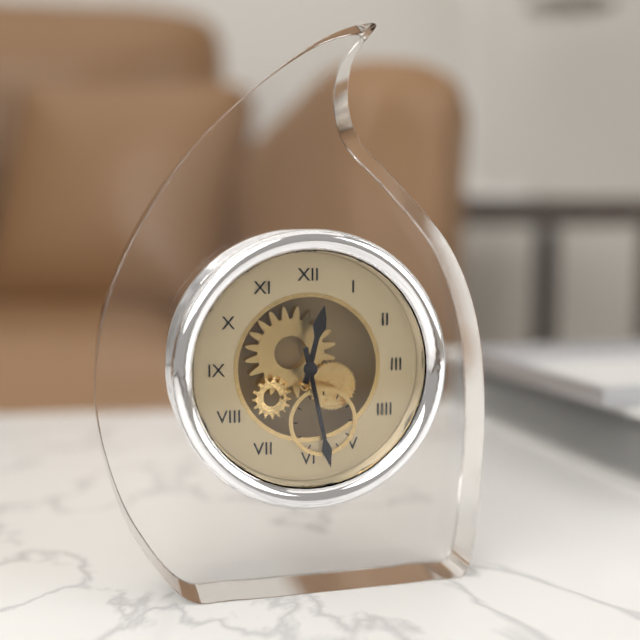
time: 12:28
